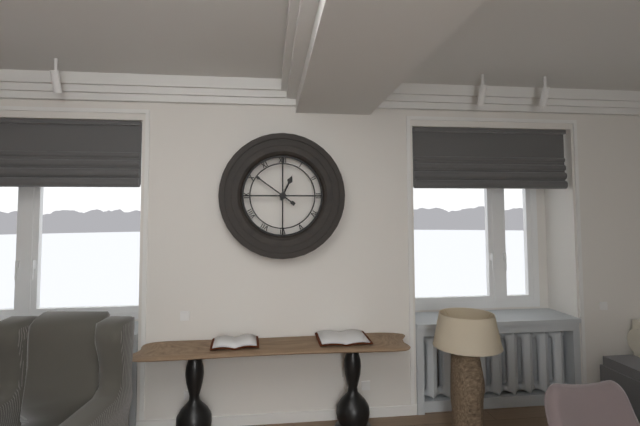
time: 12:51
